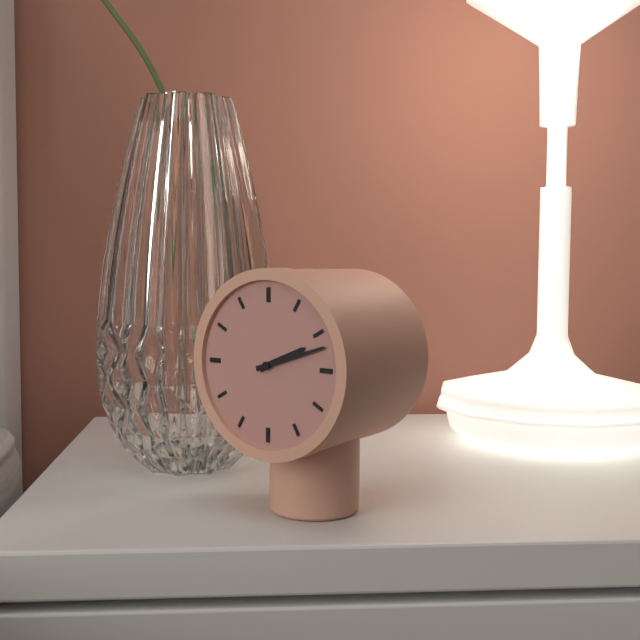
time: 2:12
